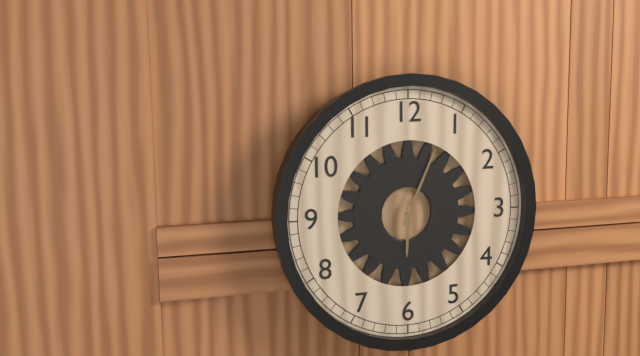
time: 6:04
